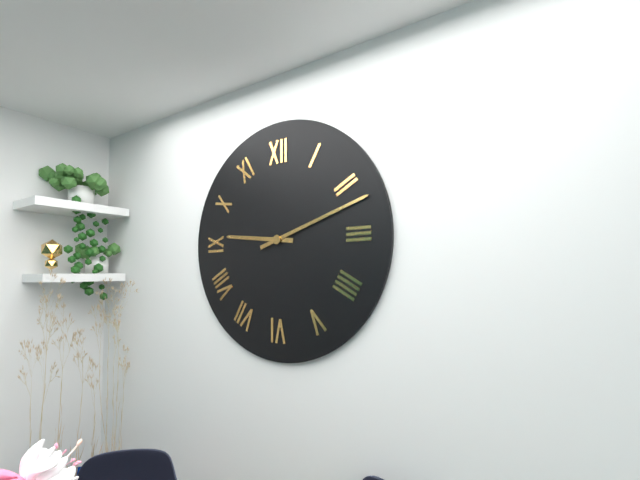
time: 9:12
